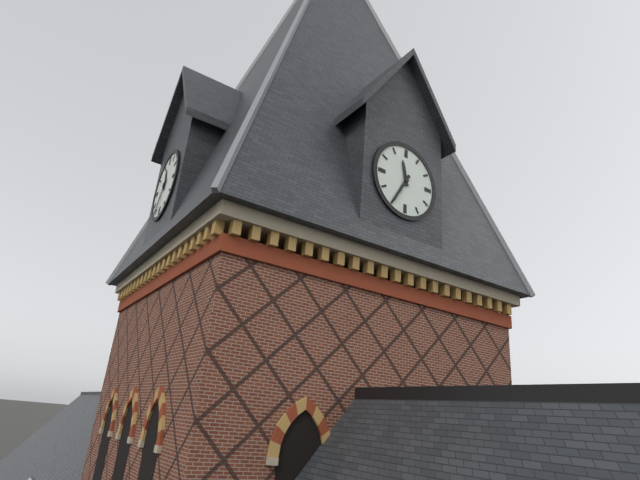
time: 11:35
